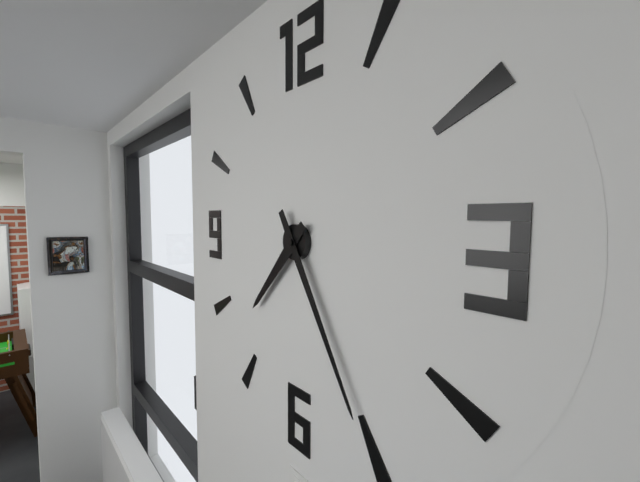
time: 7:25
